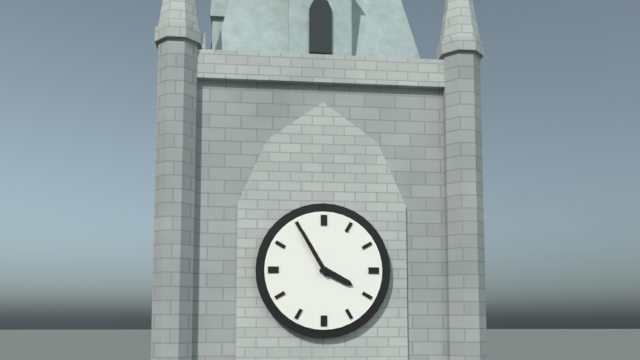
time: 3:55
